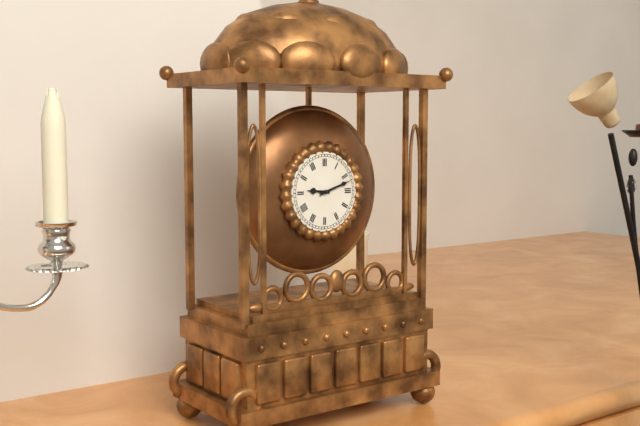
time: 9:12
